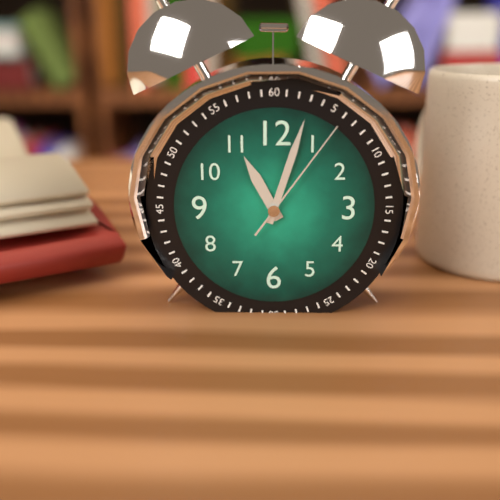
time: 11:03:06
